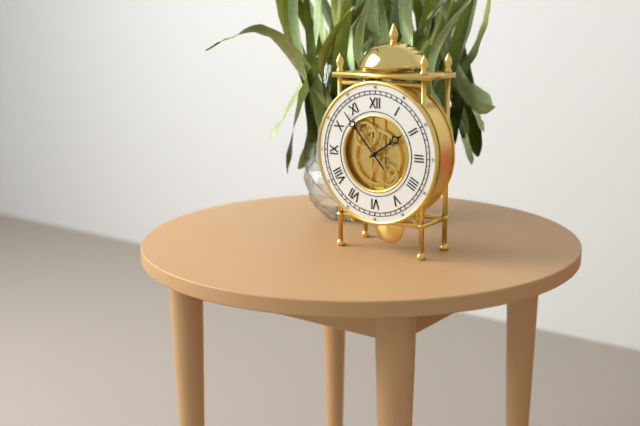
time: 1:53
